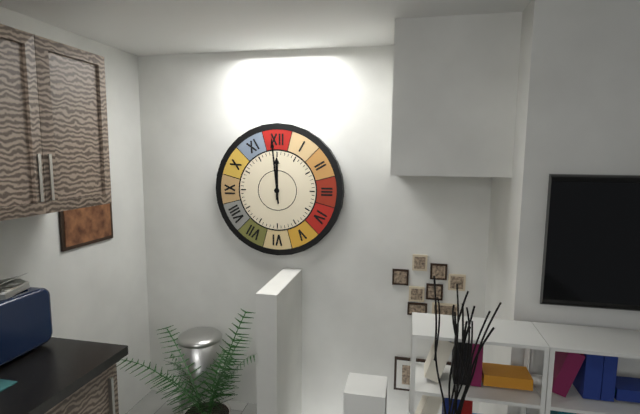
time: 11:59
